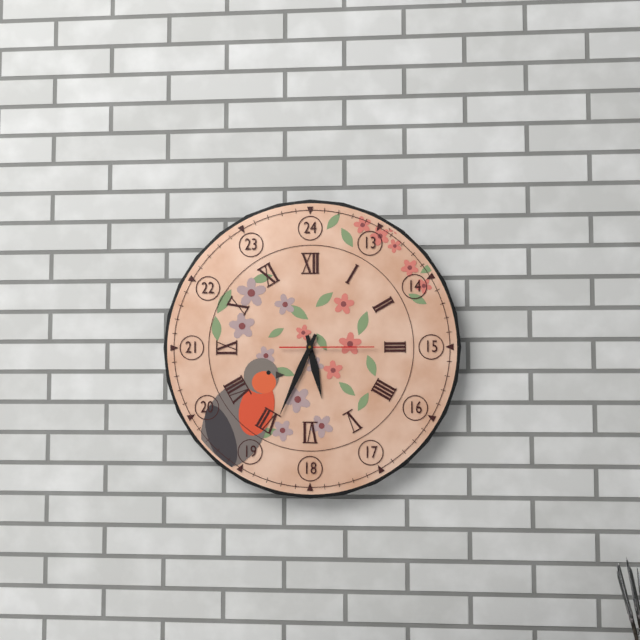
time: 5:34:15
